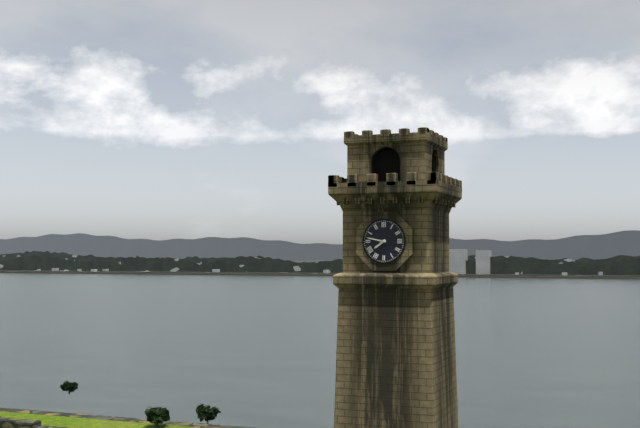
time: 7:47
